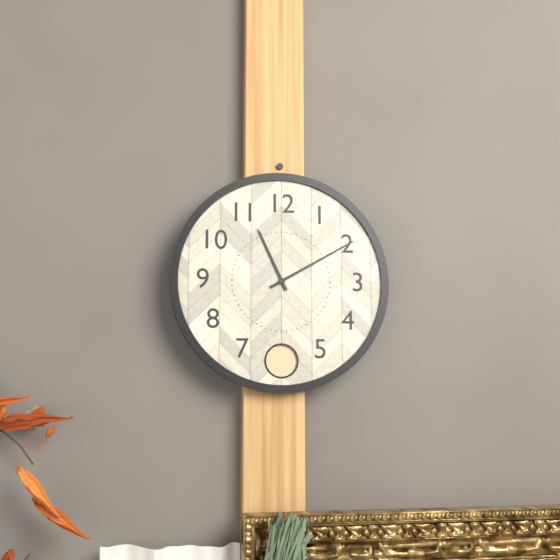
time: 11:10
